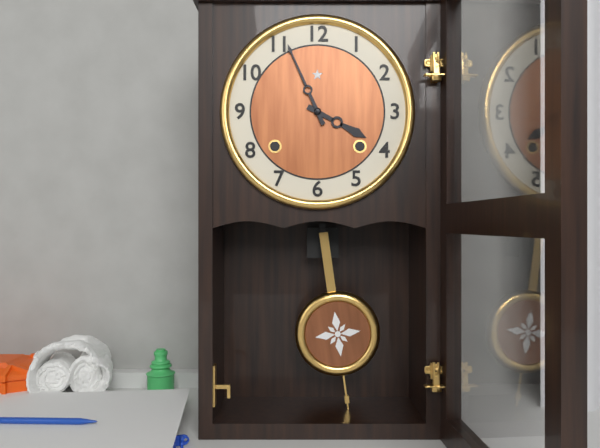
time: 3:56
